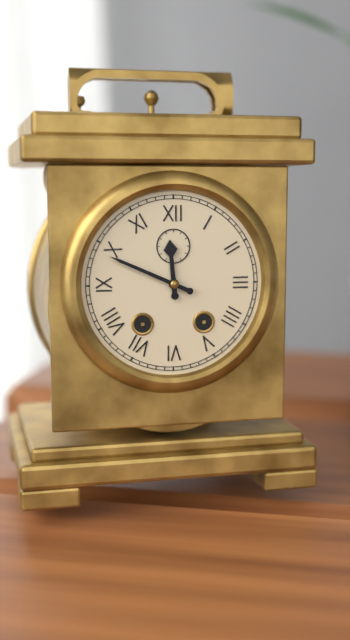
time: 11:49
